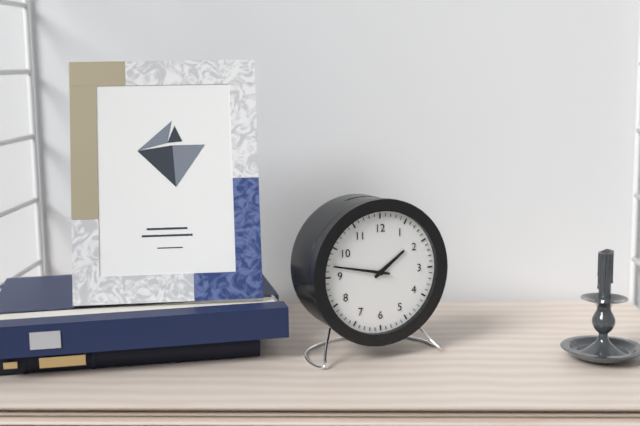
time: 1:47
